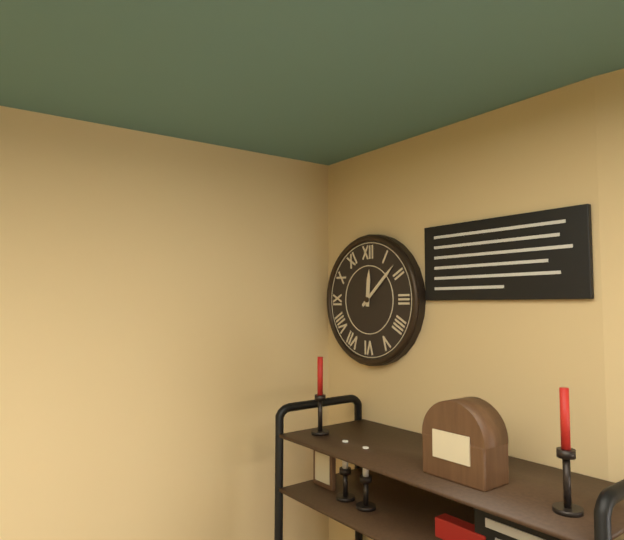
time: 12:08
